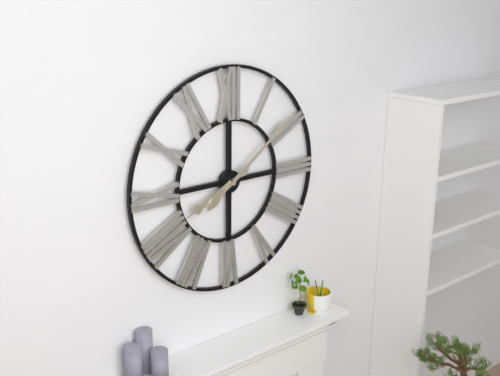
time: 8:09
